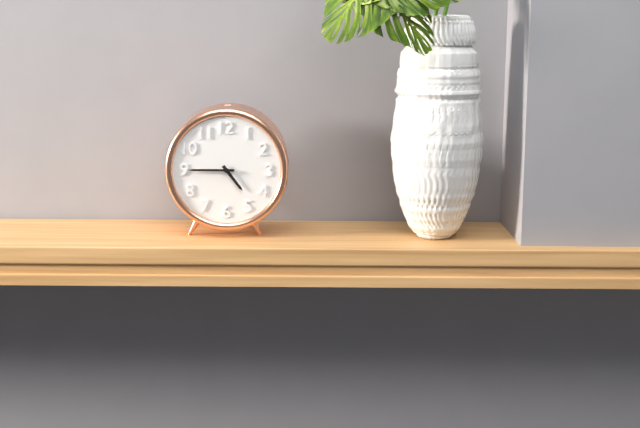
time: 4:45
